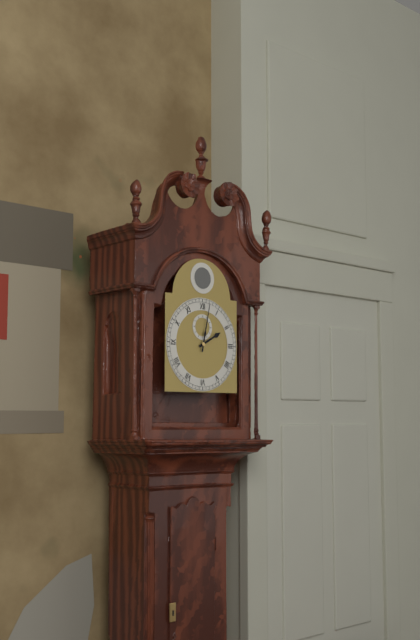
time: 2:02
